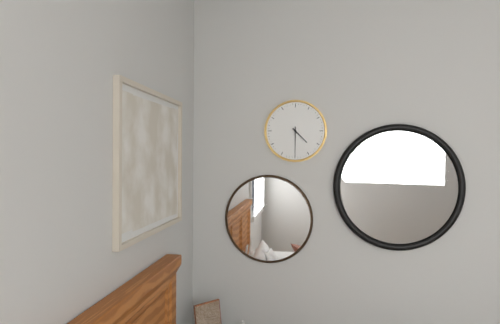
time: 4:30
